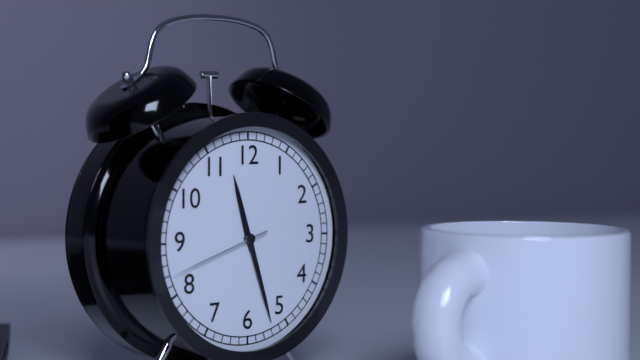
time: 11:27:42
